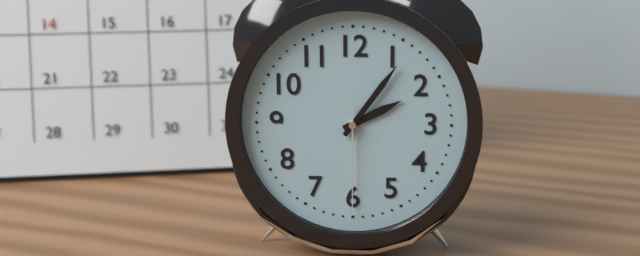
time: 2:06:30
